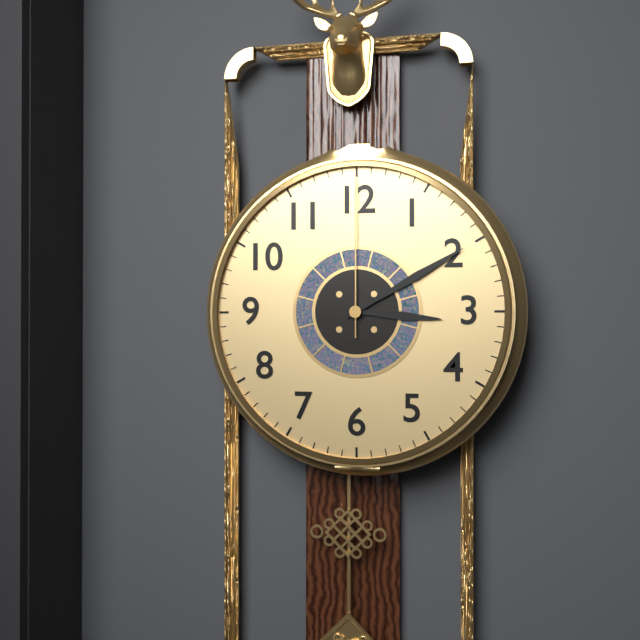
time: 3:10:00
